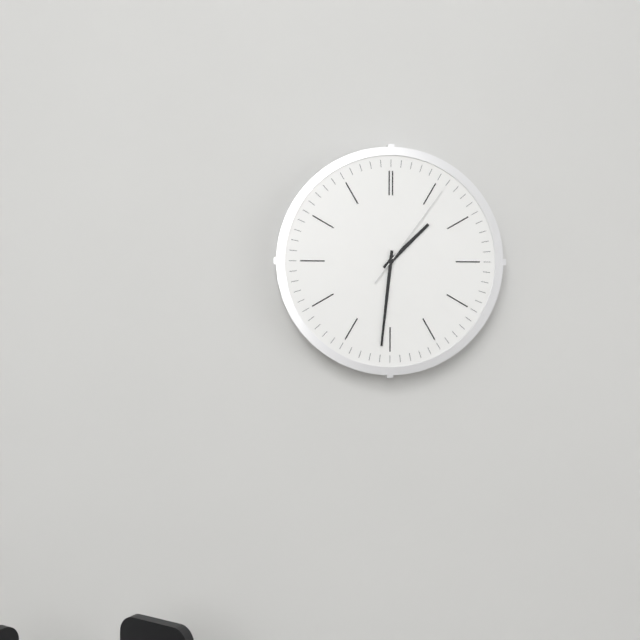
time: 1:31:06
